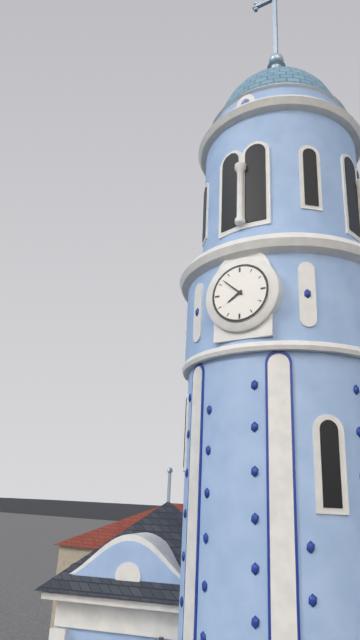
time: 7:52
